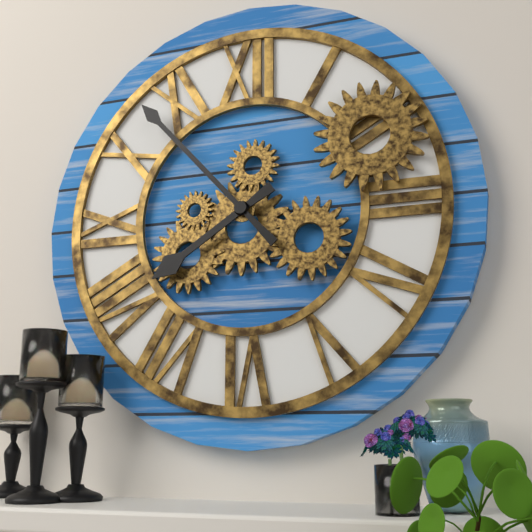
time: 7:53
